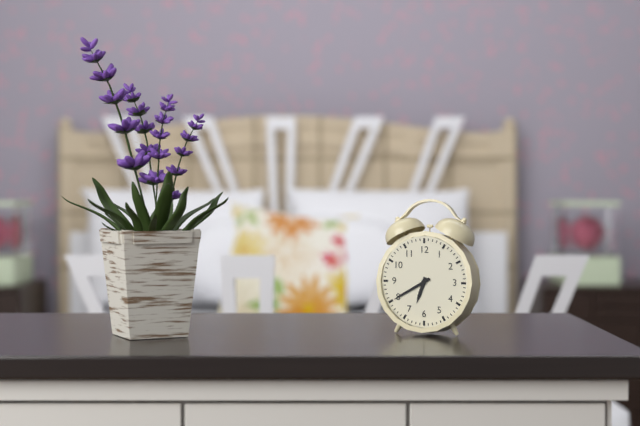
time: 6:40
